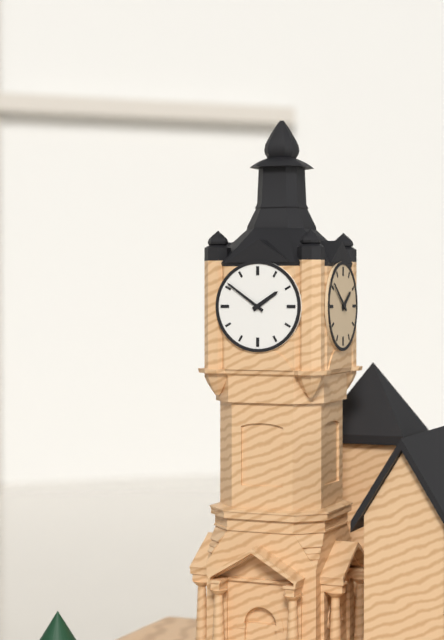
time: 1:51
